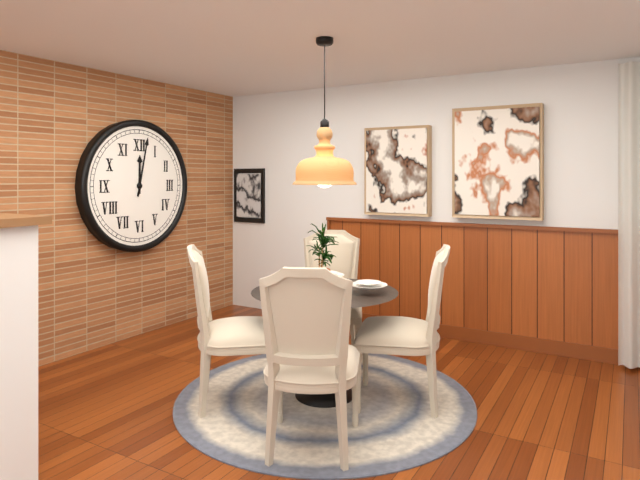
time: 12:02
